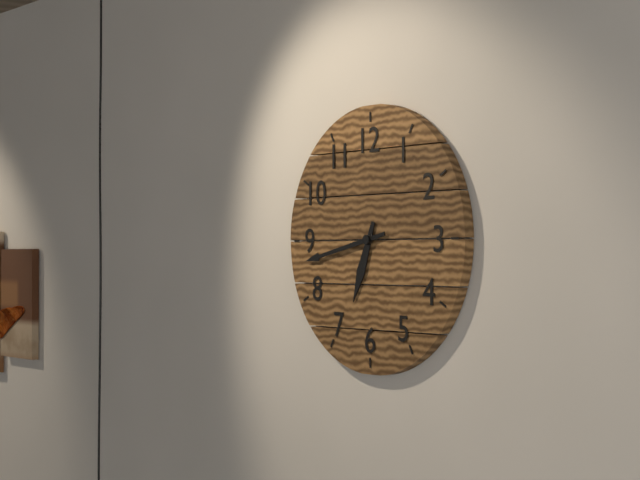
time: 6:43
